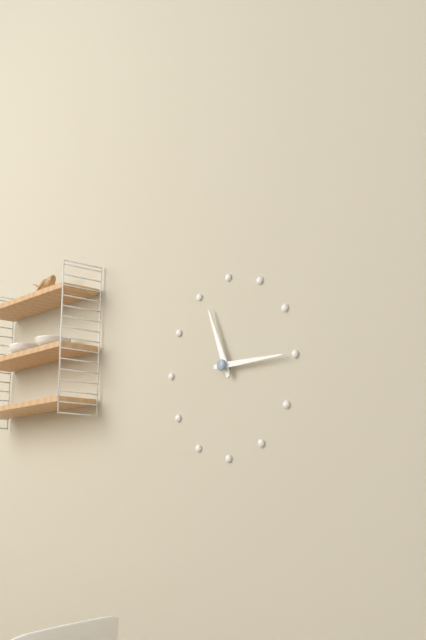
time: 11:15
